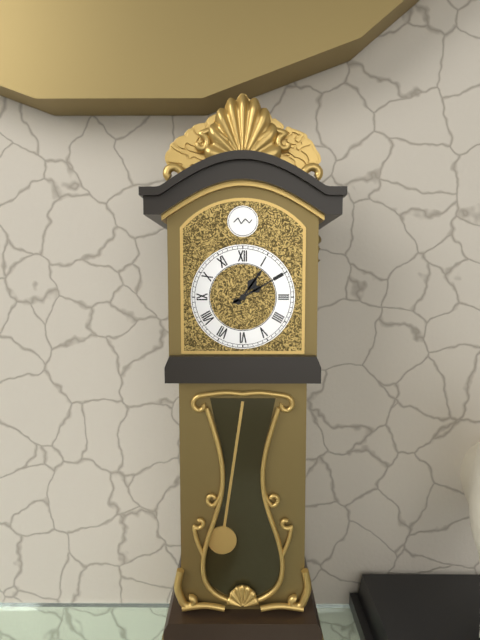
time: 1:10
